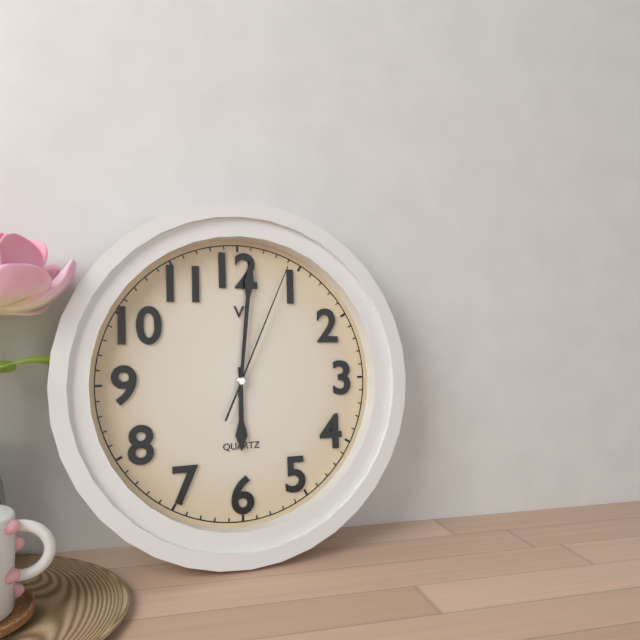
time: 6:01:04
